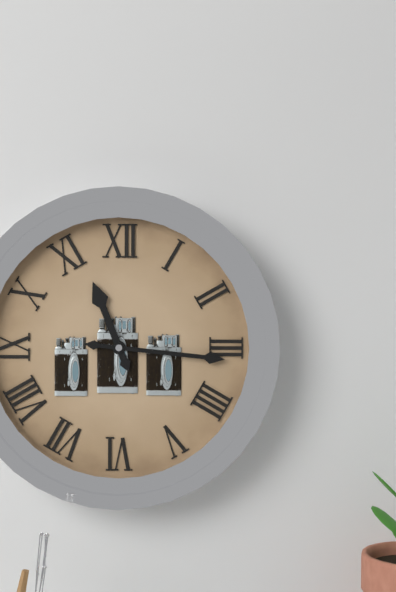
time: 11:16
